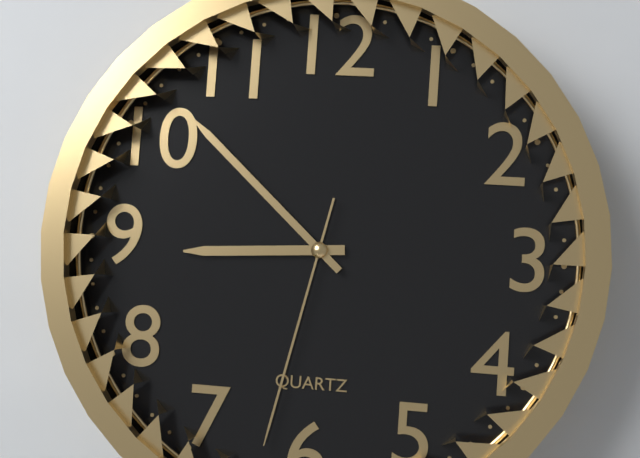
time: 8:52:32
